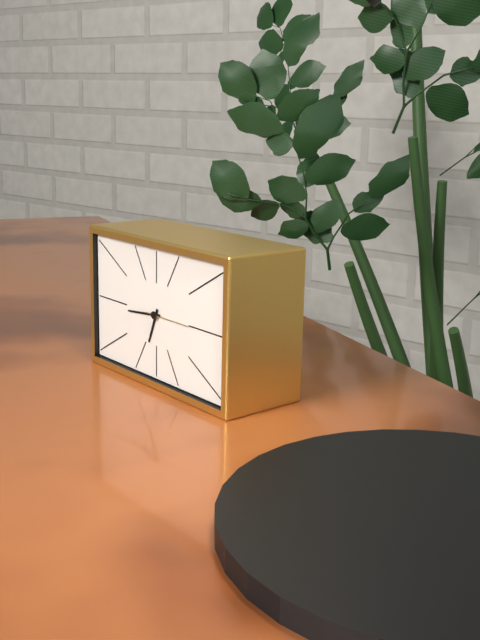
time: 6:44
